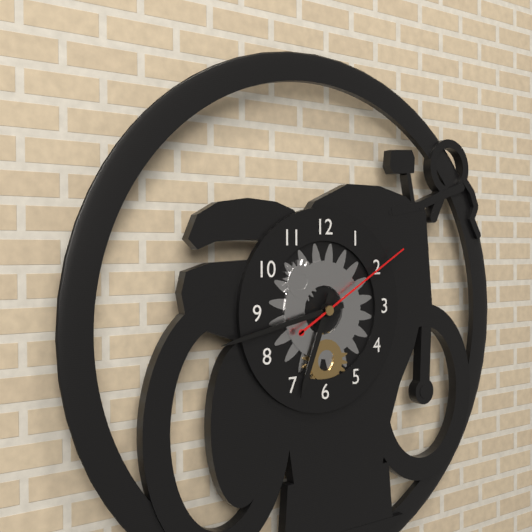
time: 6:43:10
